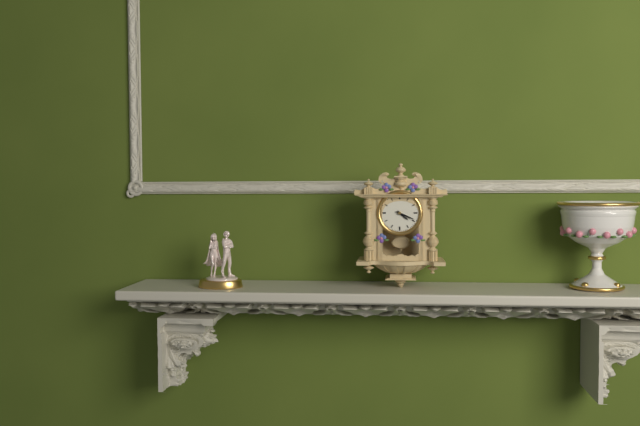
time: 4:19
